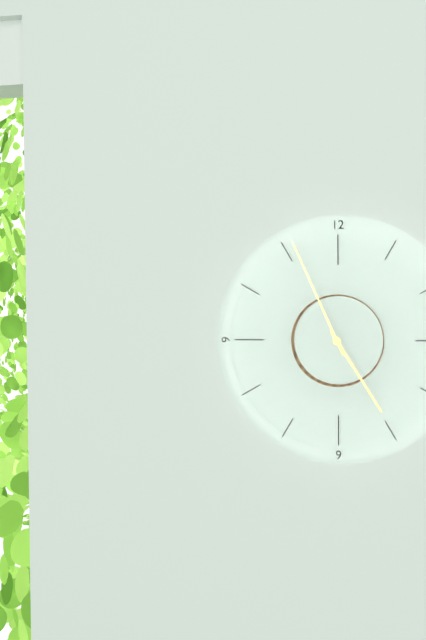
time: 4:56
